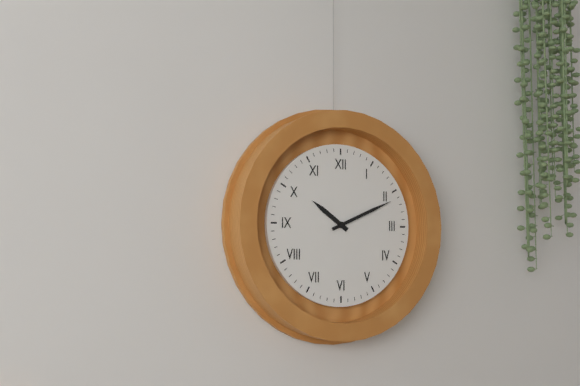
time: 10:11
